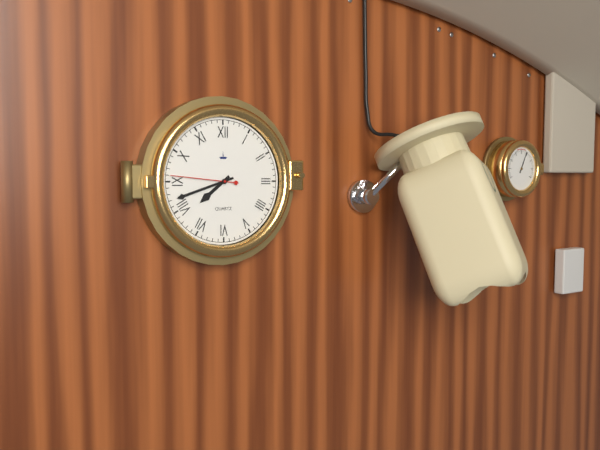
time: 7:42:46
